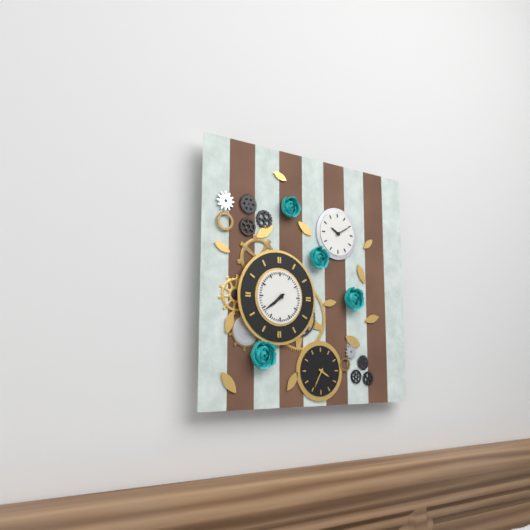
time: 7:39
